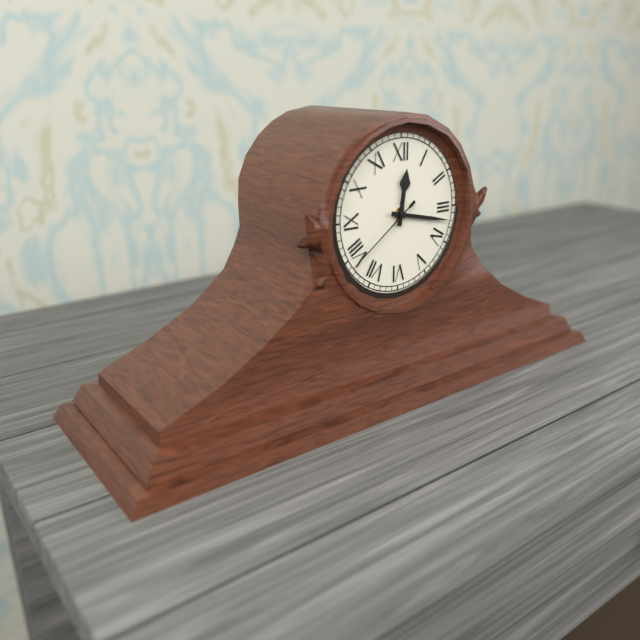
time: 12:17:39
